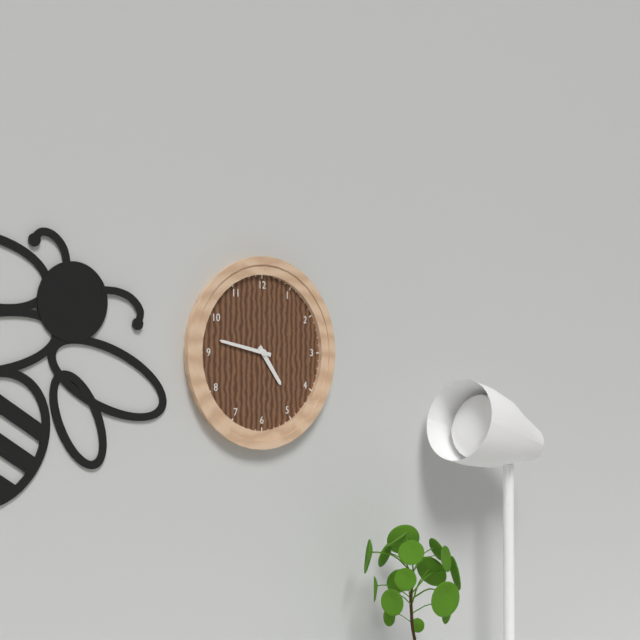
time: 4:47
